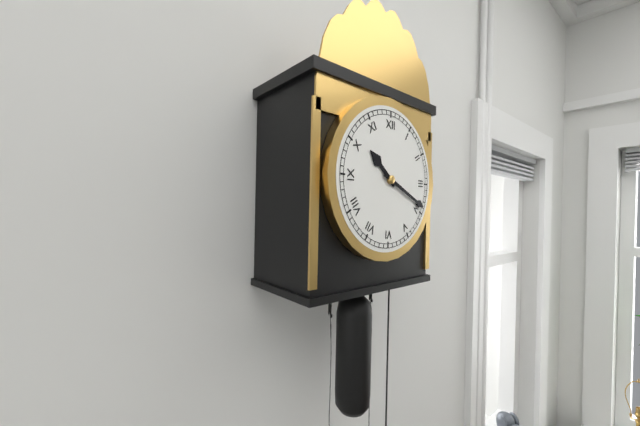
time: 10:19
